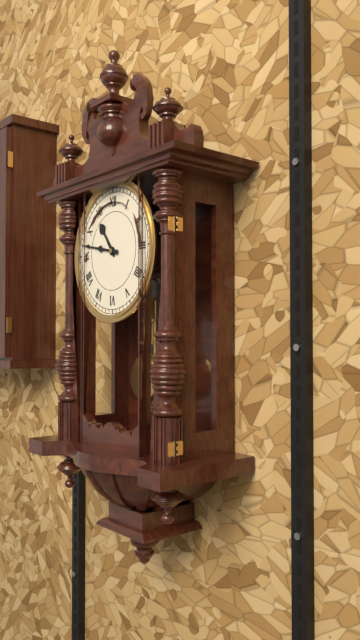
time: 10:47
